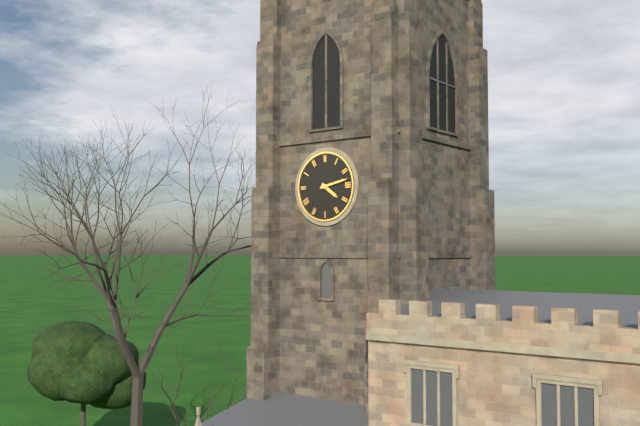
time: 4:13
